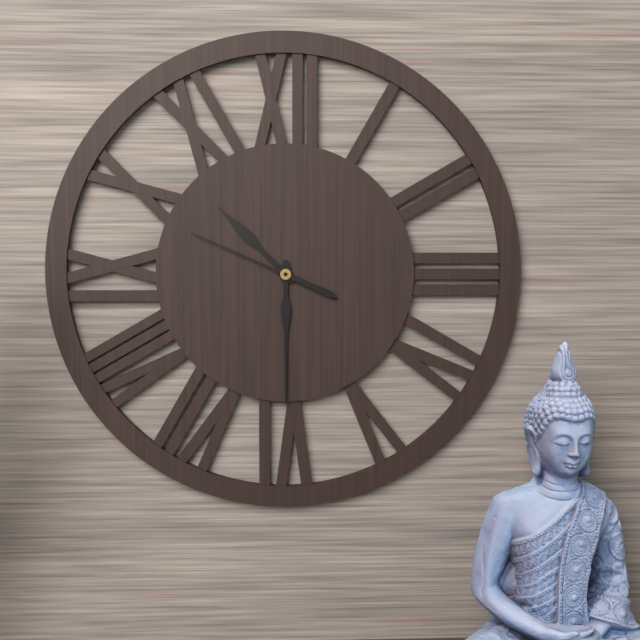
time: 10:30:49
